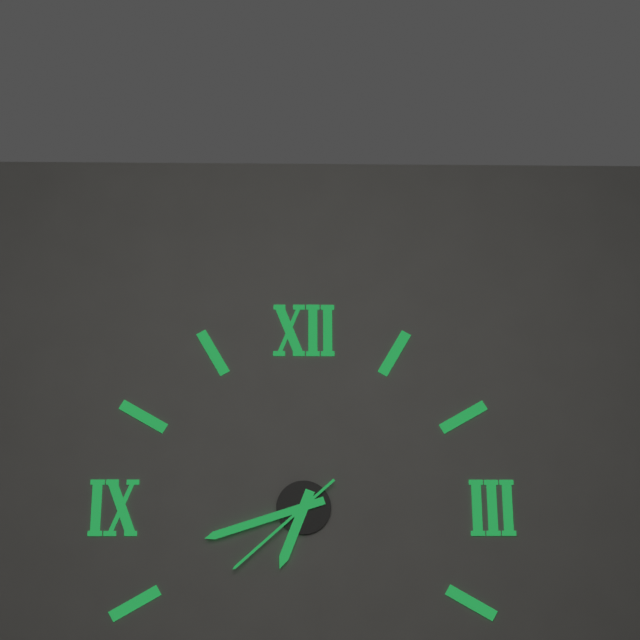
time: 6:42:38
